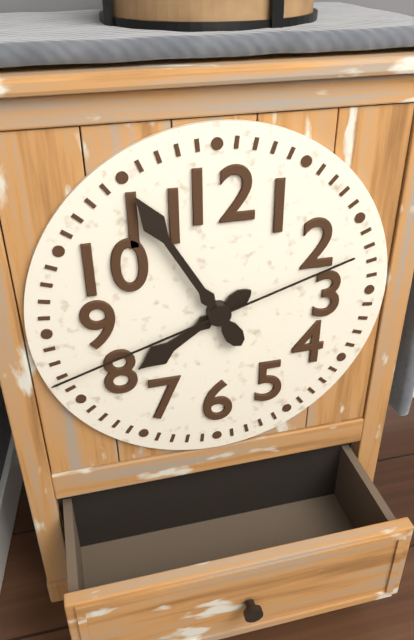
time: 7:55:42
